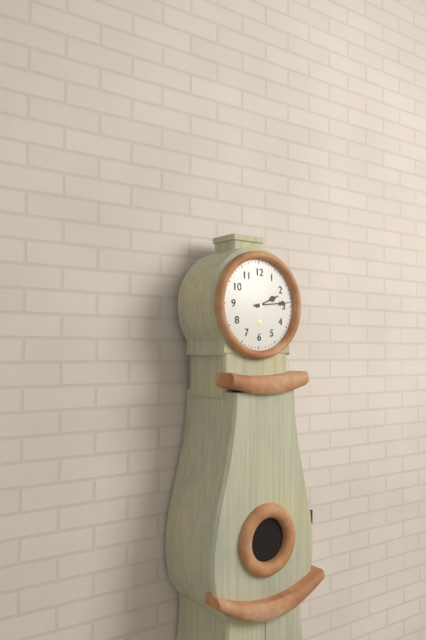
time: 2:14
